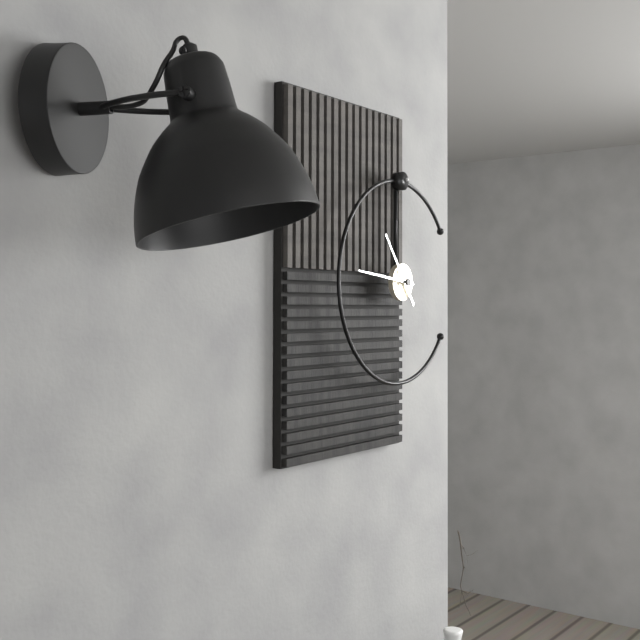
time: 10:46
